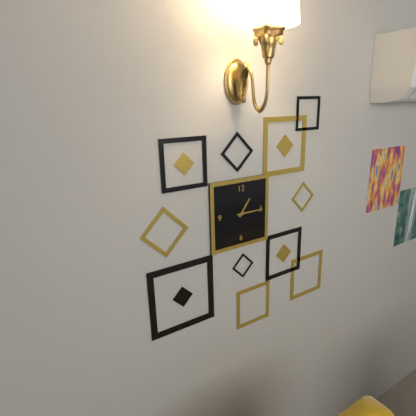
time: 1:15
